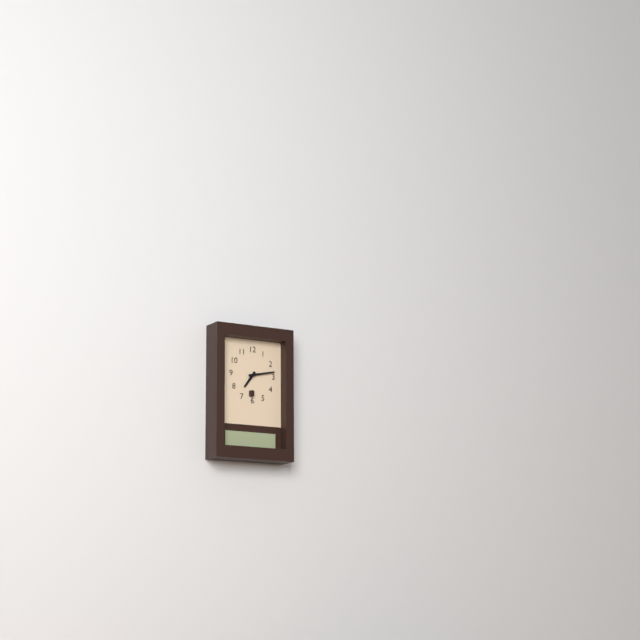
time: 7:13
